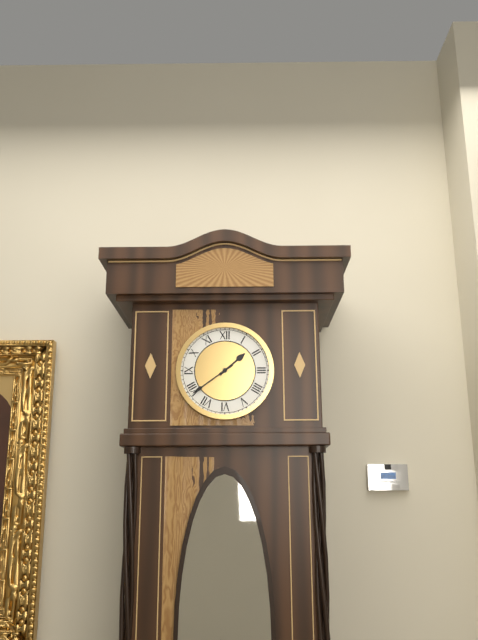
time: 1:39
